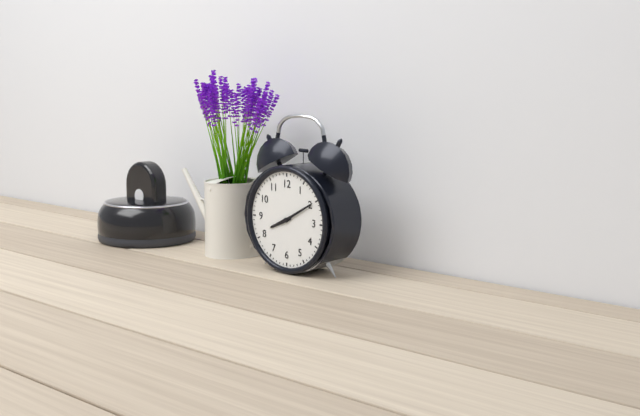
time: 8:10
